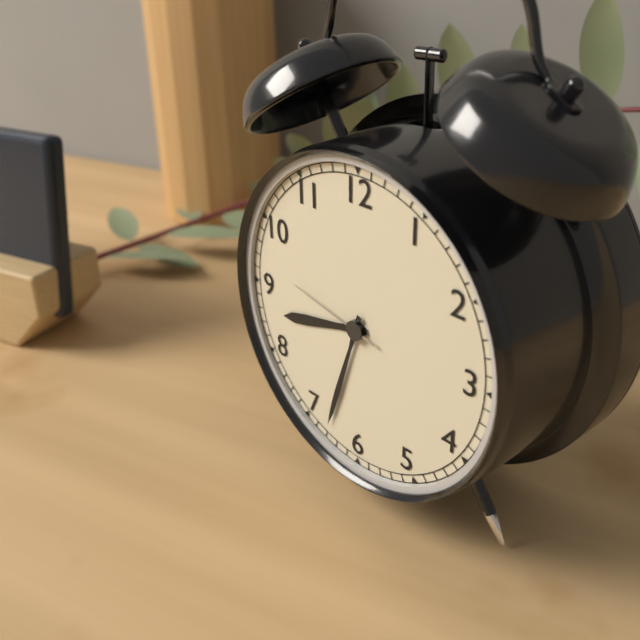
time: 8:33:47
